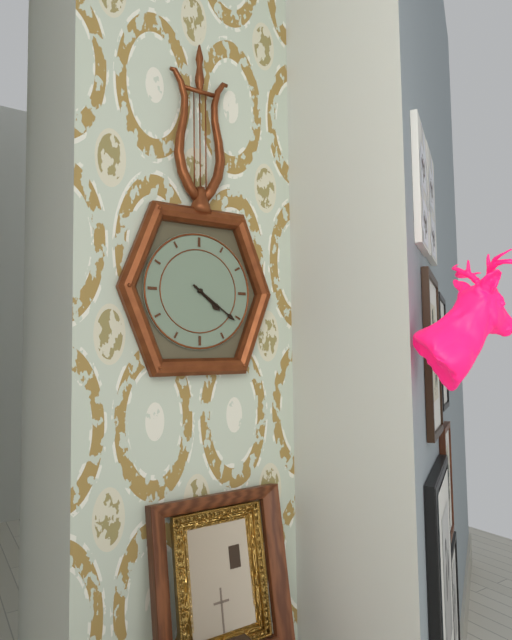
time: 4:21
